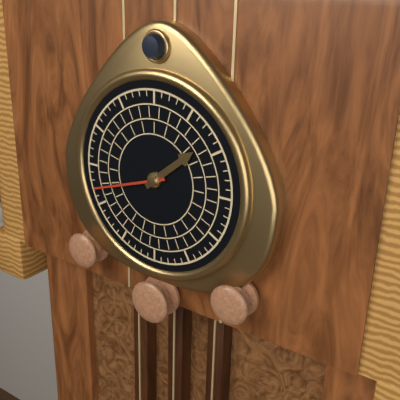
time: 1:42
